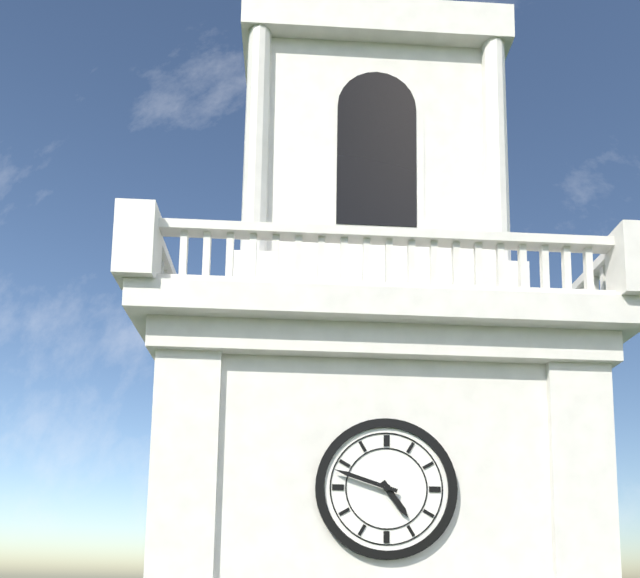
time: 4:48
